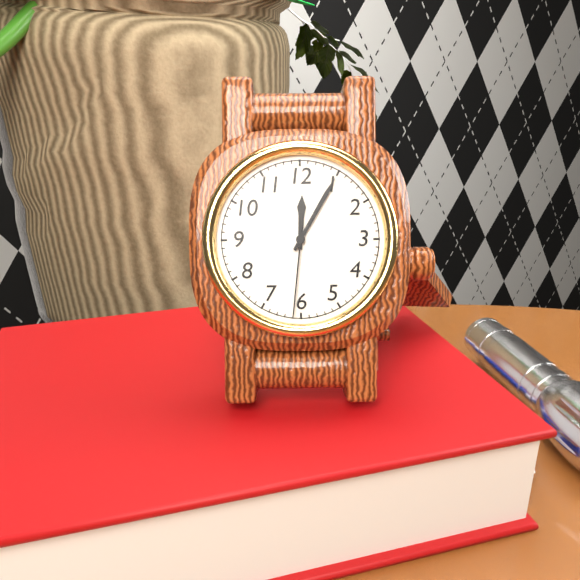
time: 12:05:31
